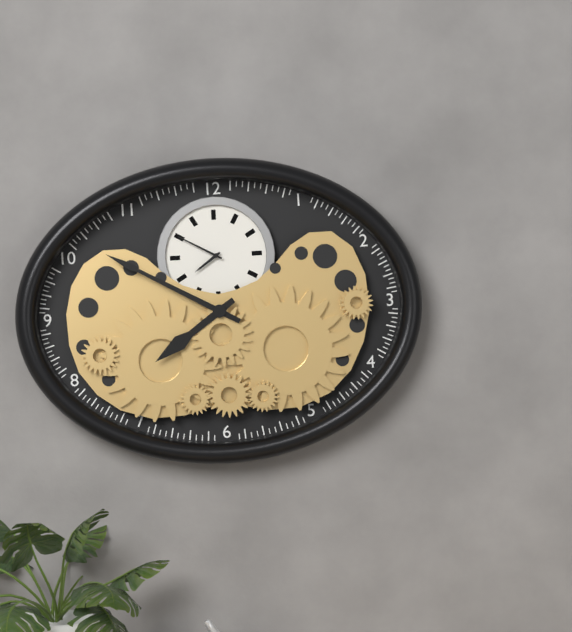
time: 7:50
